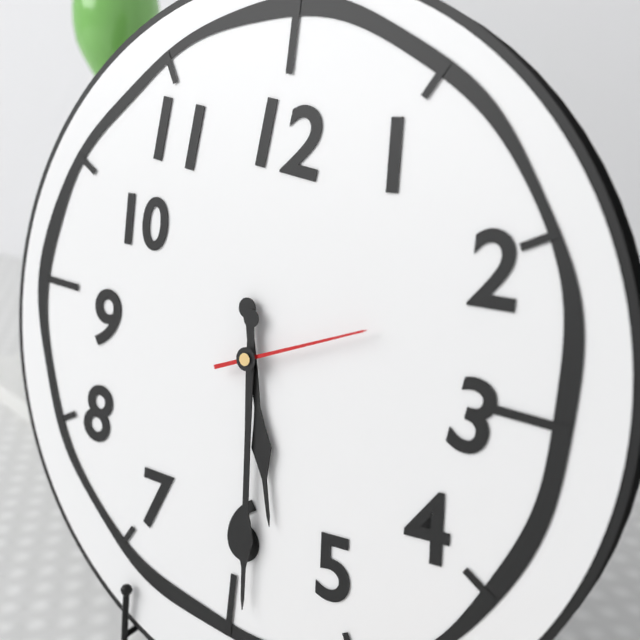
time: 5:29:11
